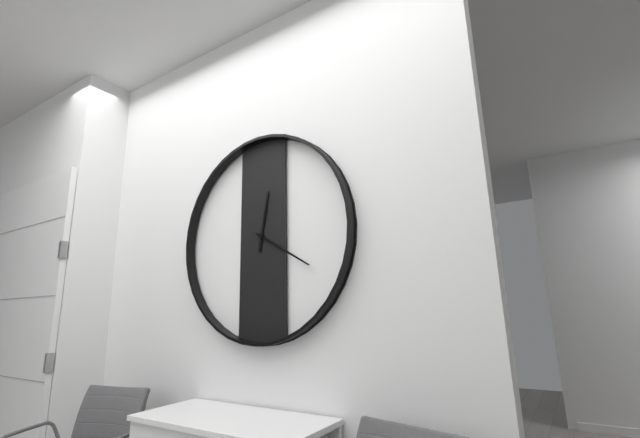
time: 12:20
